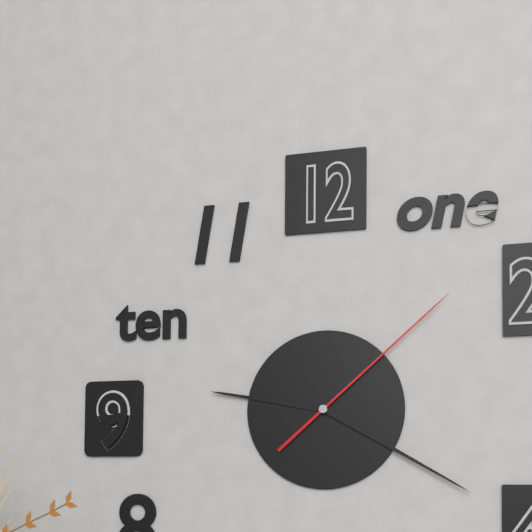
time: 9:20:08
